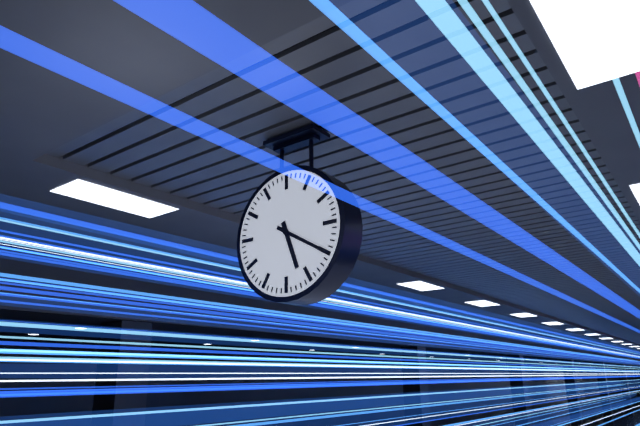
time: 5:20
